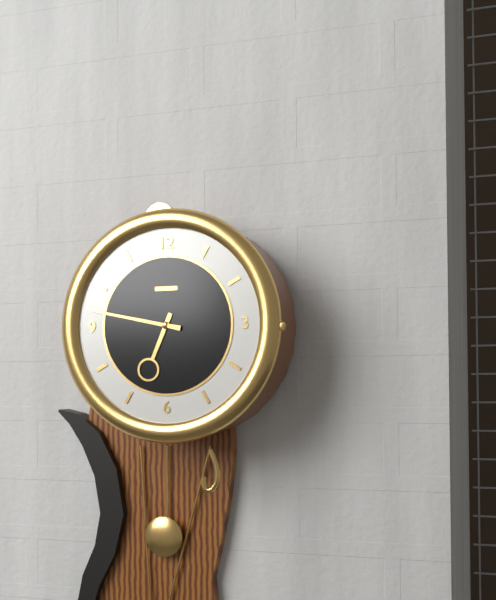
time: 6:47
